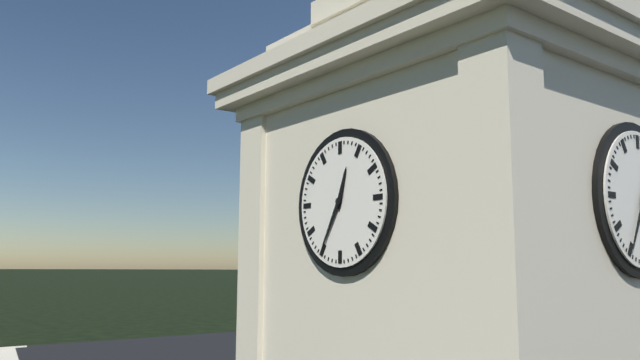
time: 12:35
